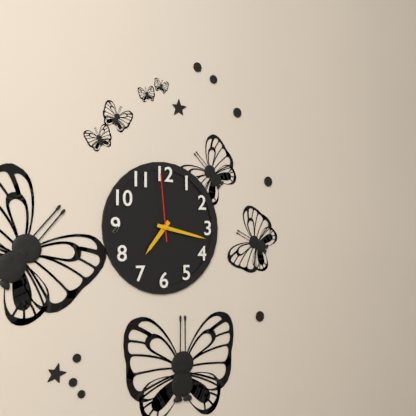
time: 7:17:59
